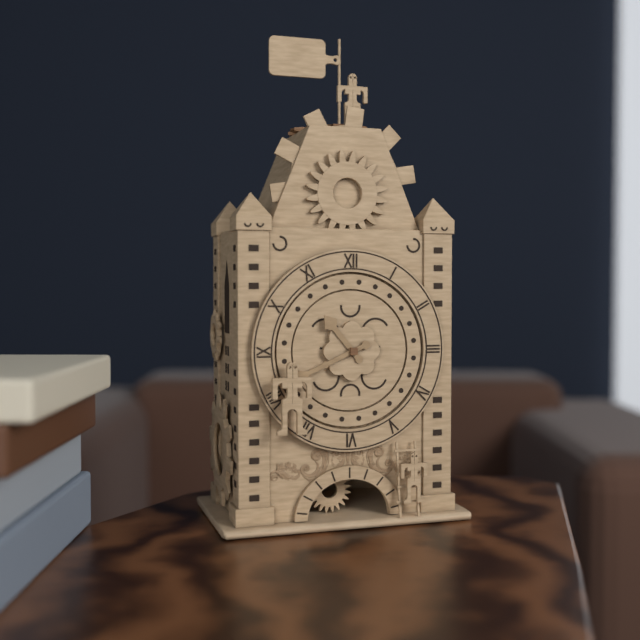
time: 10:41
